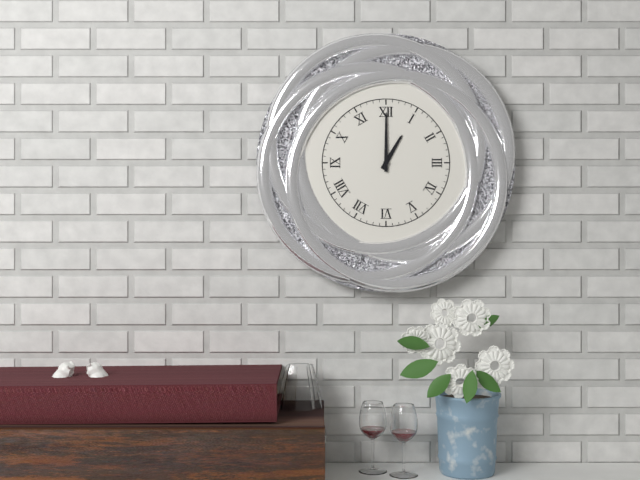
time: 1:00
